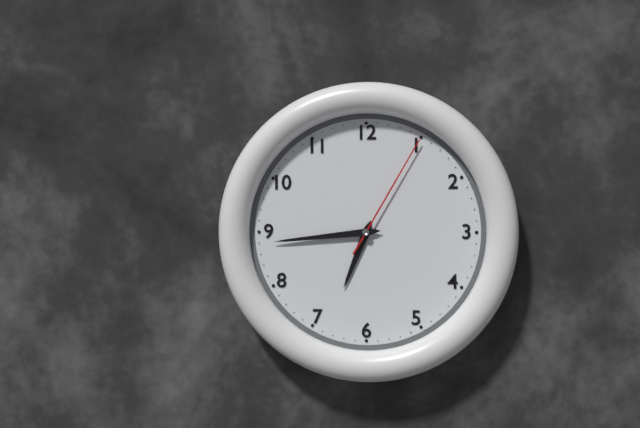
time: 6:44:05
